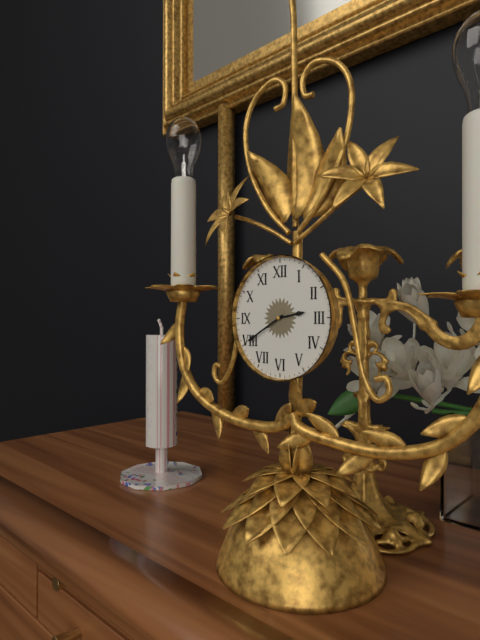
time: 2:40
